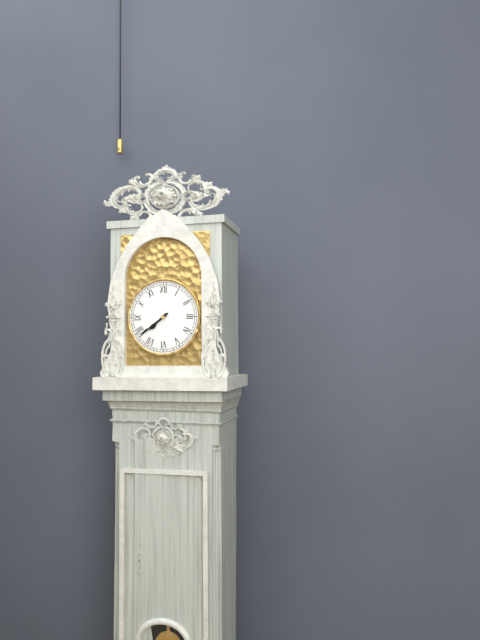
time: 7:39
